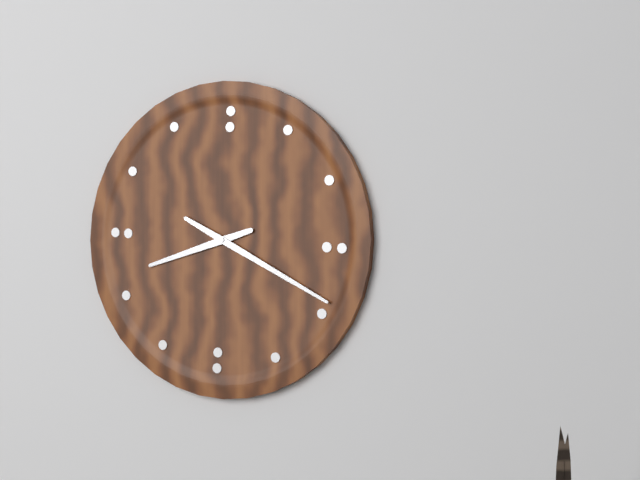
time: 8:19
